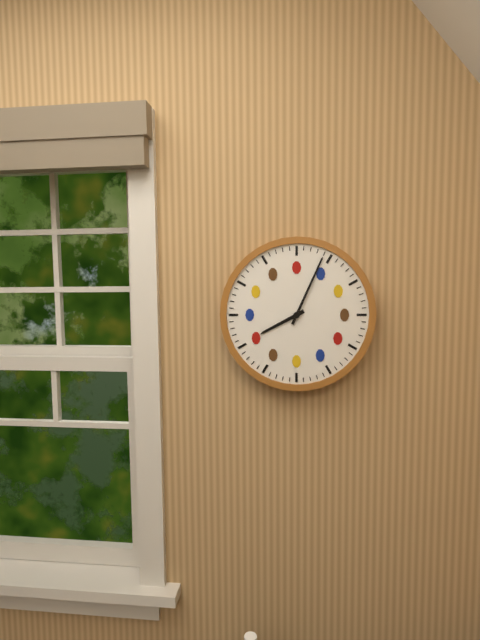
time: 8:04
